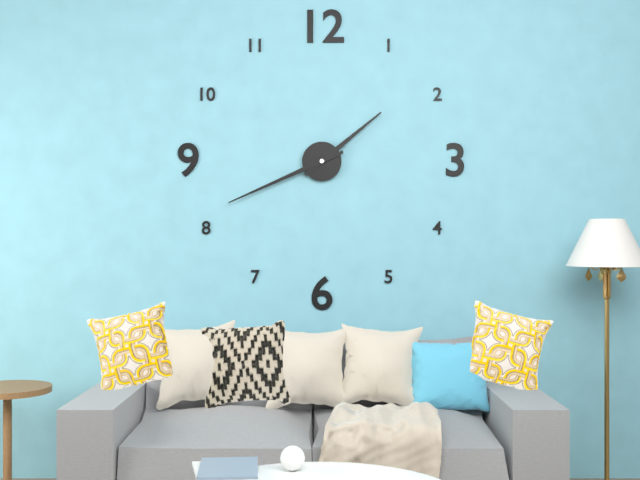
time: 1:41
